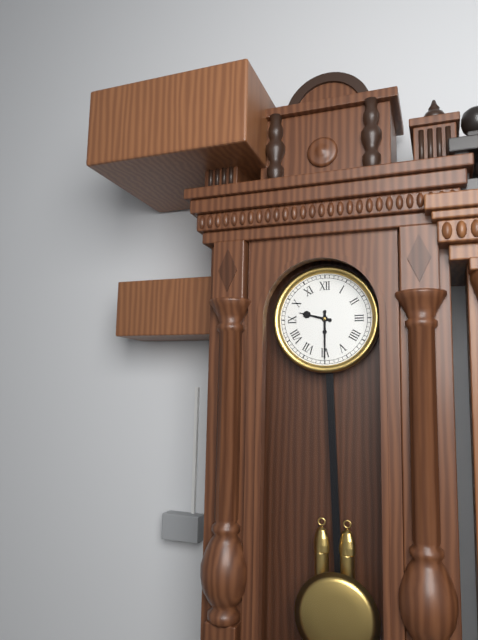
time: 9:30
